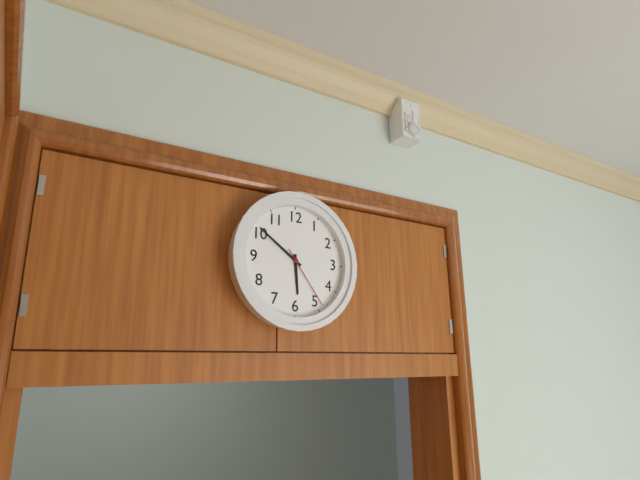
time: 5:51:24
